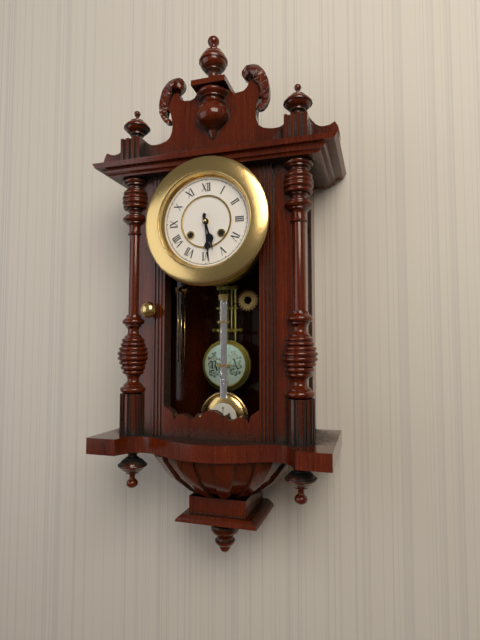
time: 5:29
